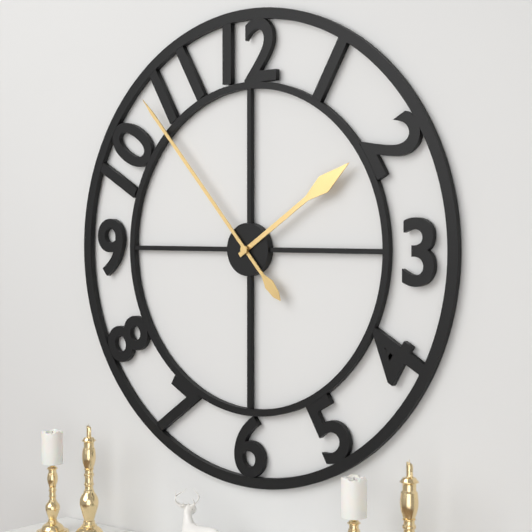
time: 1:53
